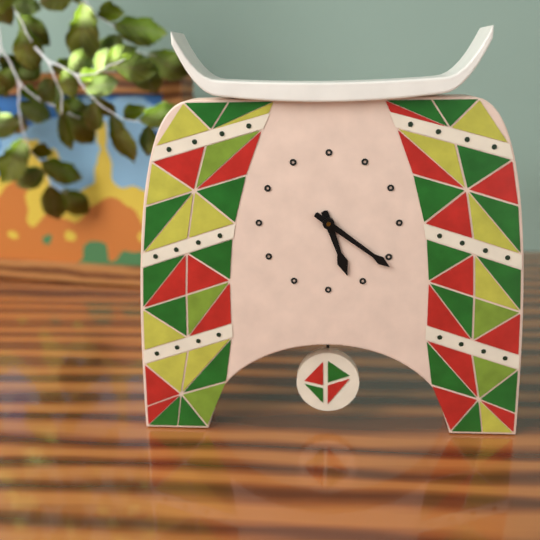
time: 5:21
